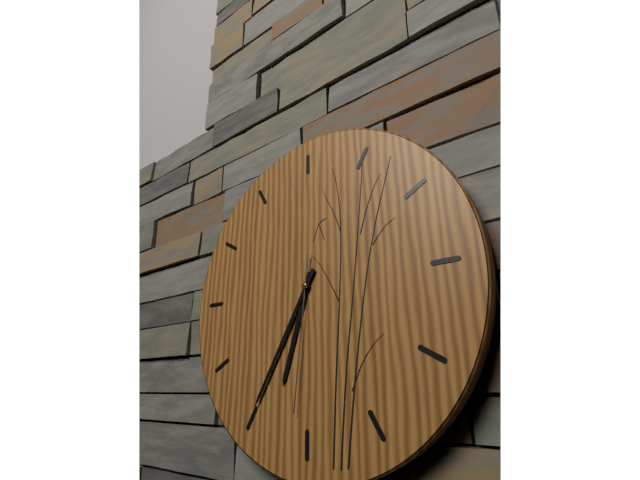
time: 6:35:31
